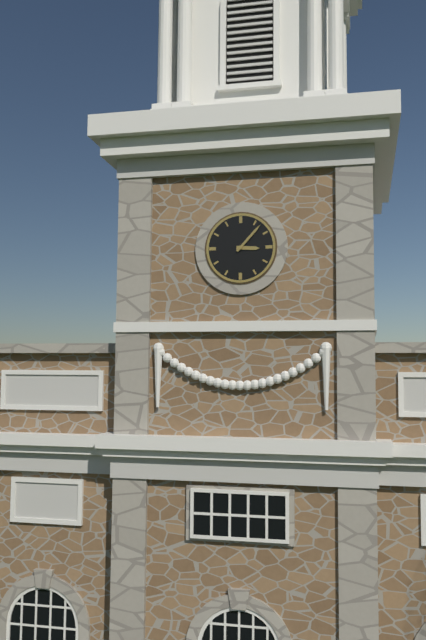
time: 3:07
